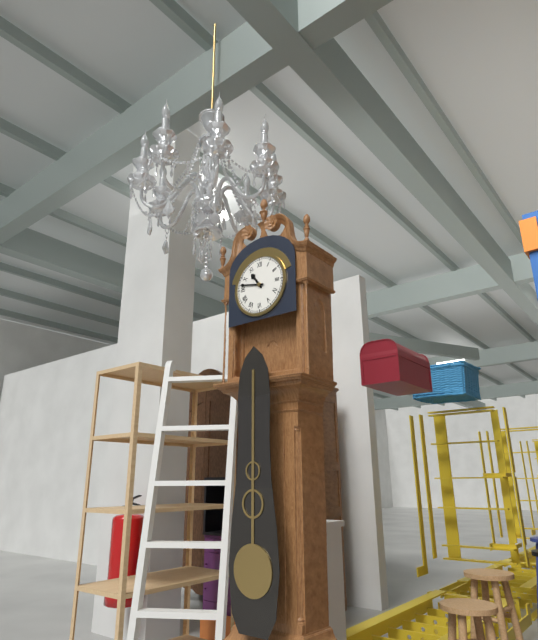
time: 10:47
